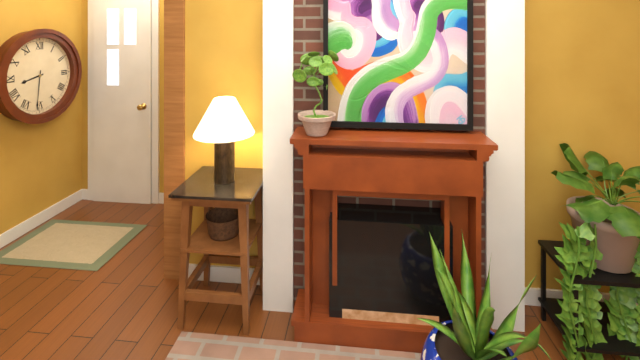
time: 8:31
